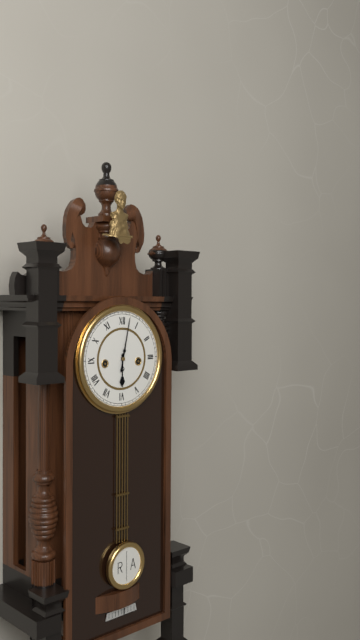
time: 6:02
